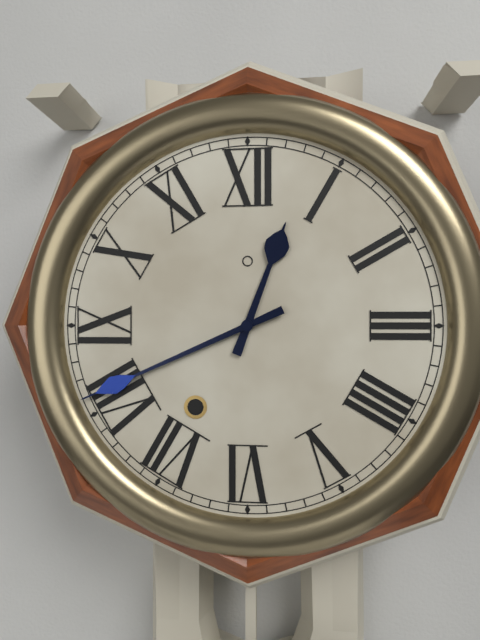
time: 12:41
